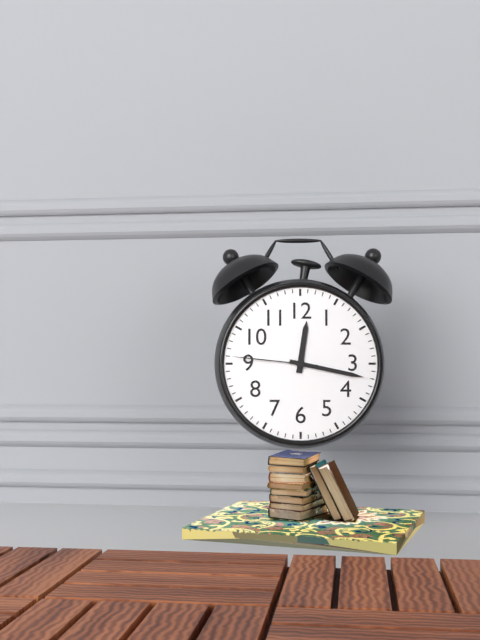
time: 12:17:46
